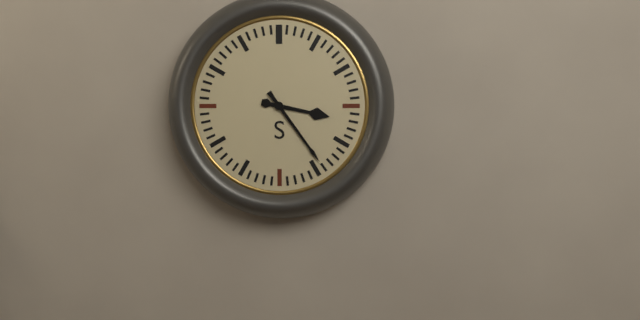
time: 3:24
